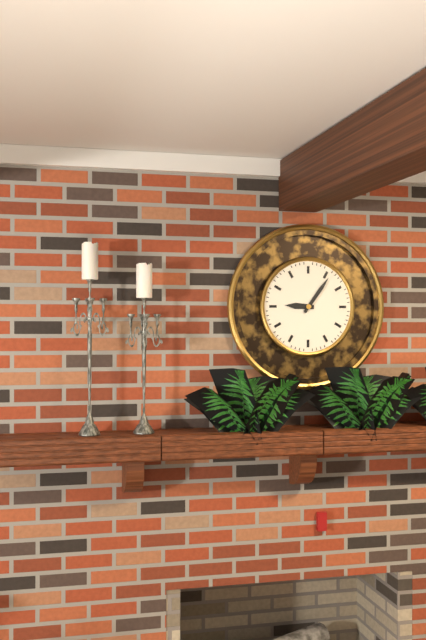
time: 9:06
